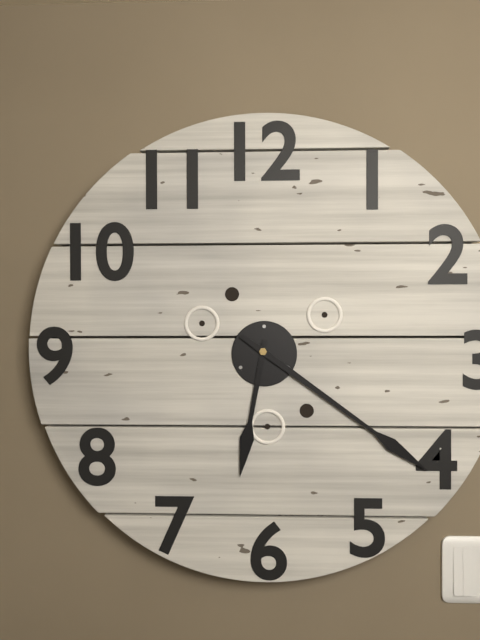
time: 6:21
